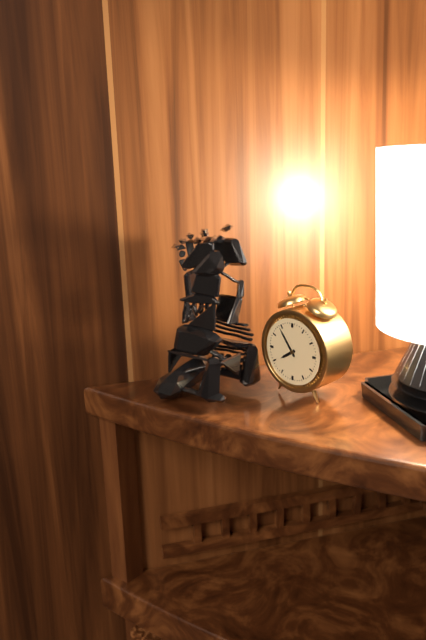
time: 7:54
